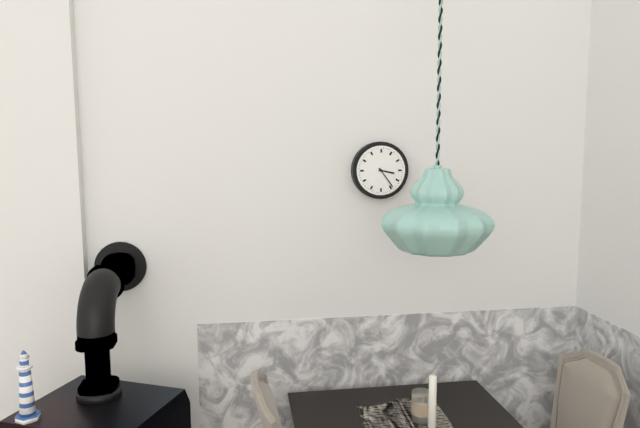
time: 3:24
